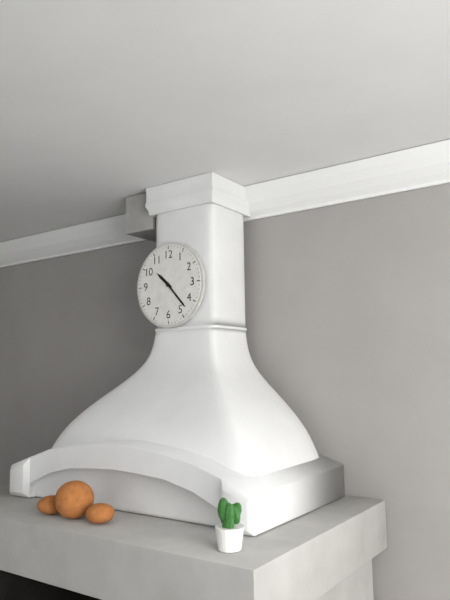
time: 10:23
